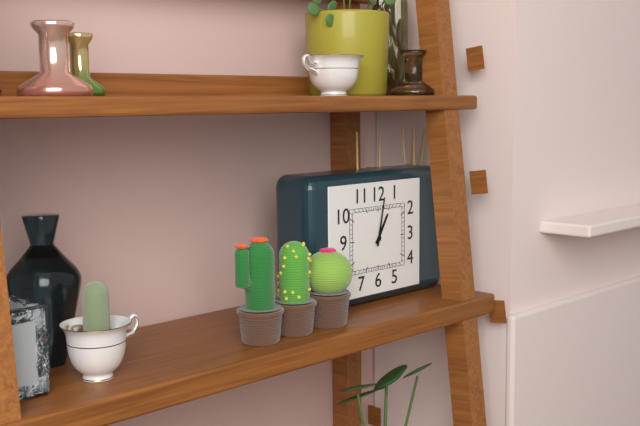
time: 1:02
